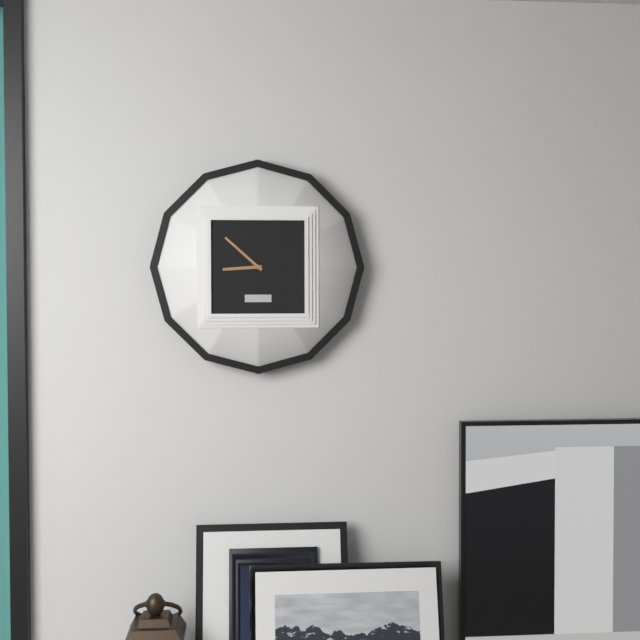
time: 8:52
